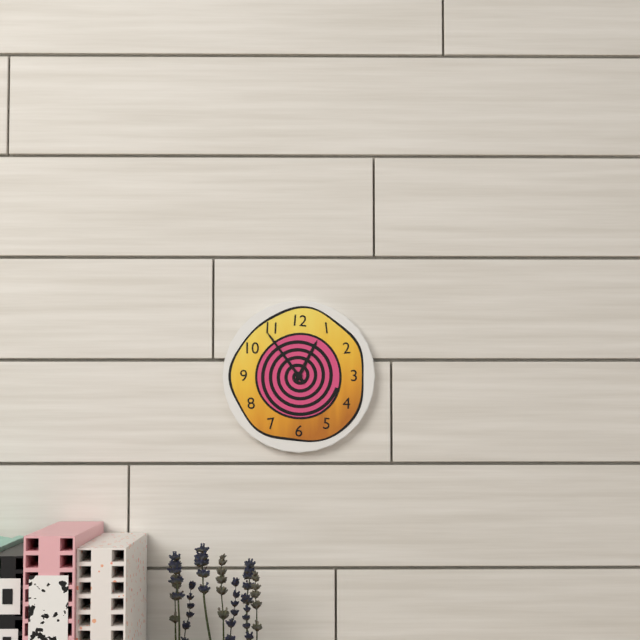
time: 12:54
